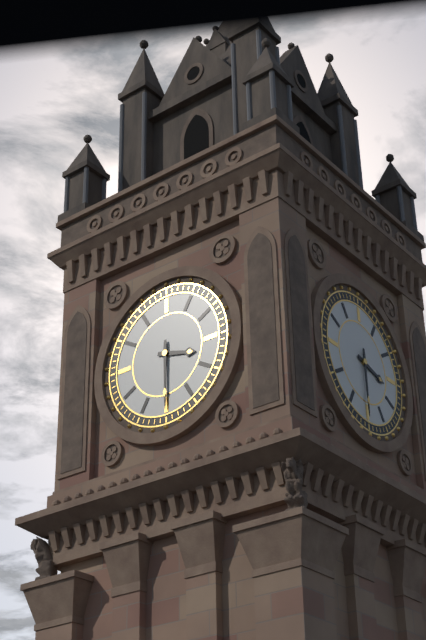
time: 3:30
